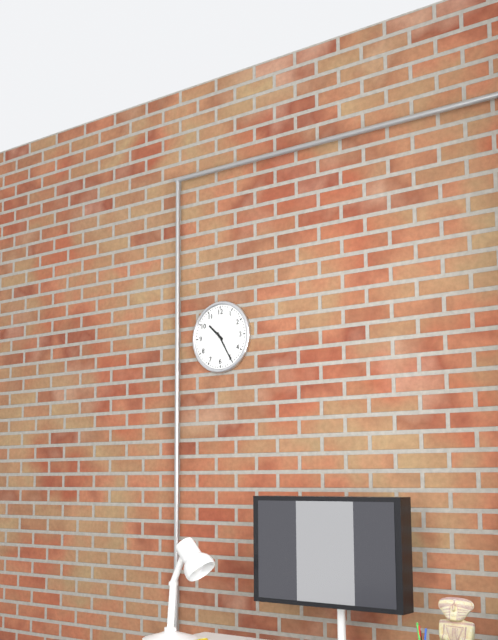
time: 10:25
